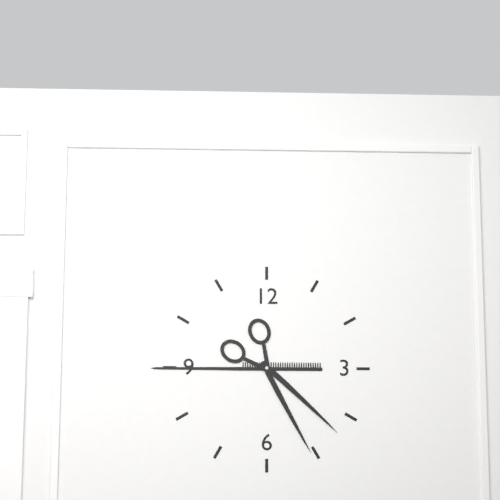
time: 4:45
